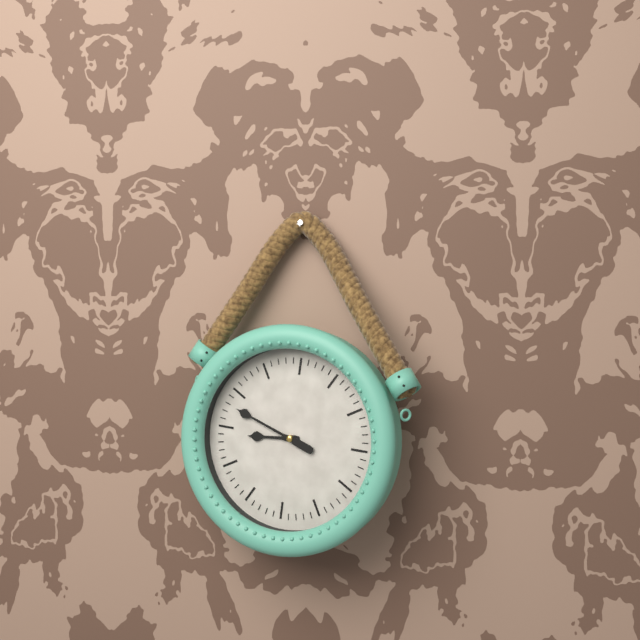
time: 8:48
